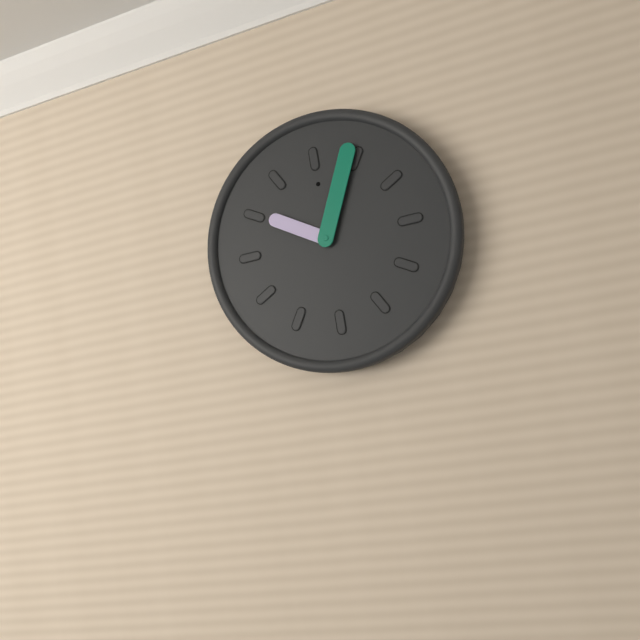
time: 10:04
